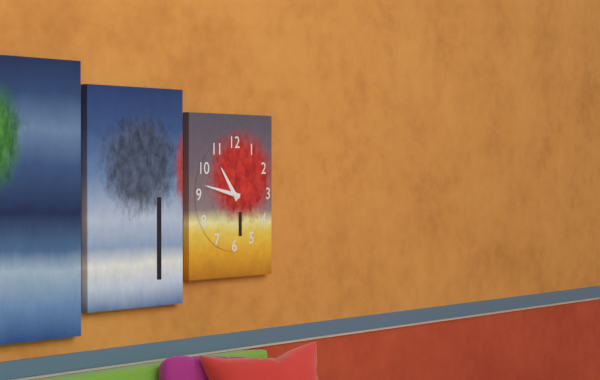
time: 10:47
